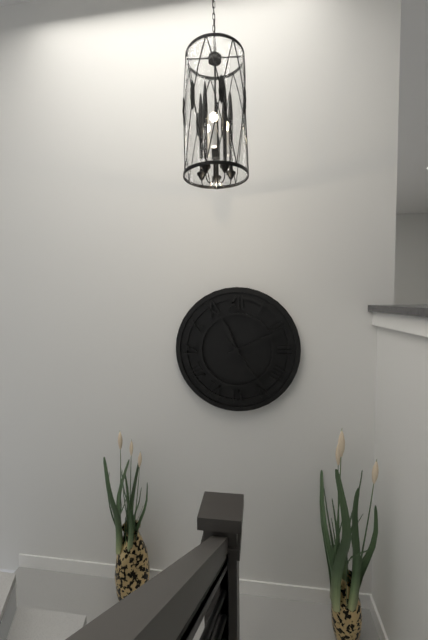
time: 11:11:24
